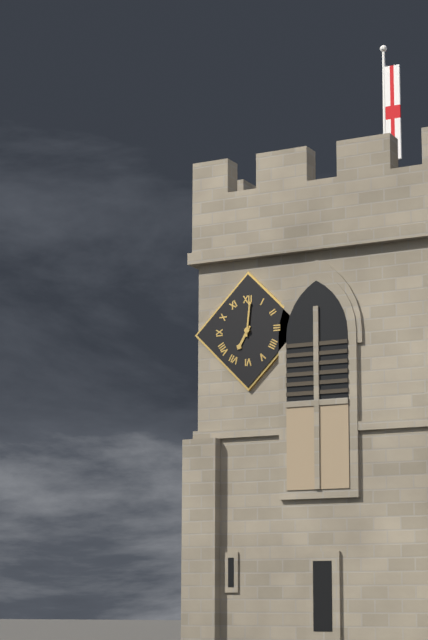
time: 7:01
